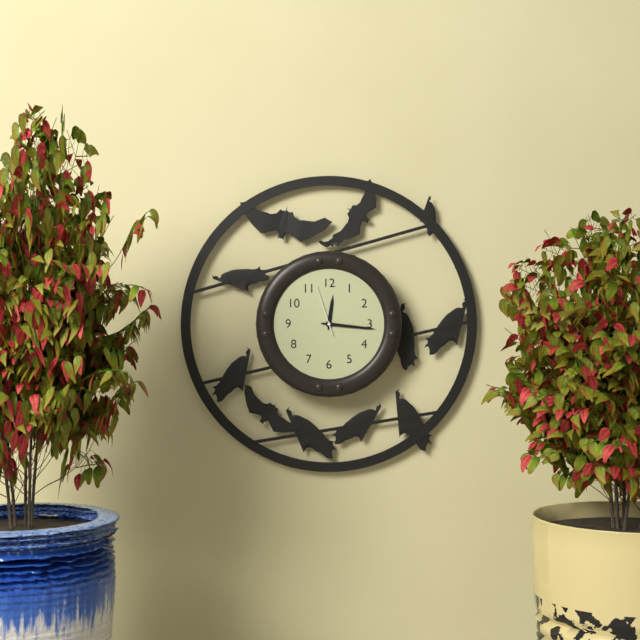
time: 12:16:57
